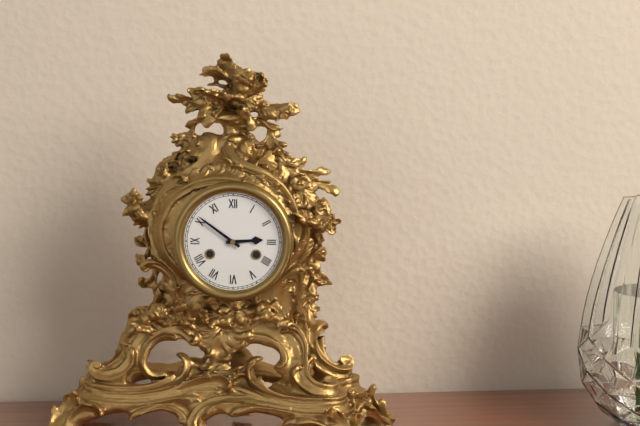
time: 2:51
